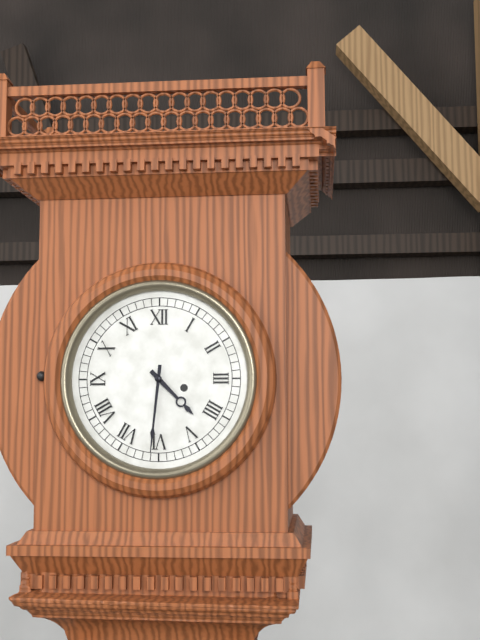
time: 4:31
